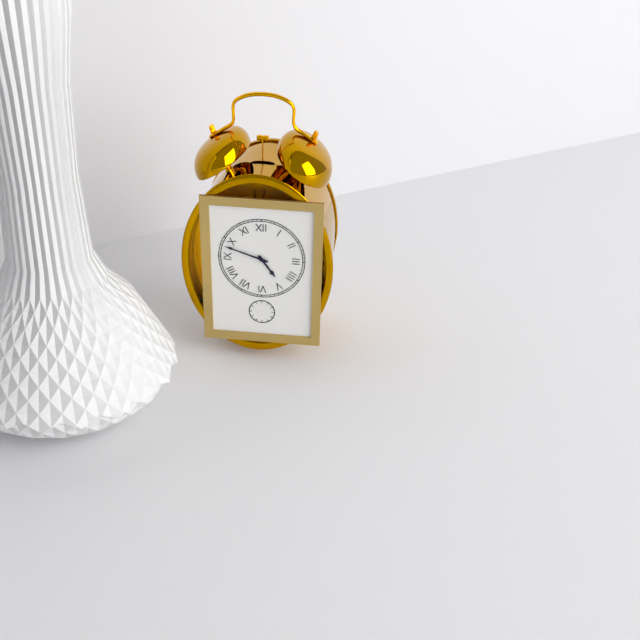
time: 4:48
